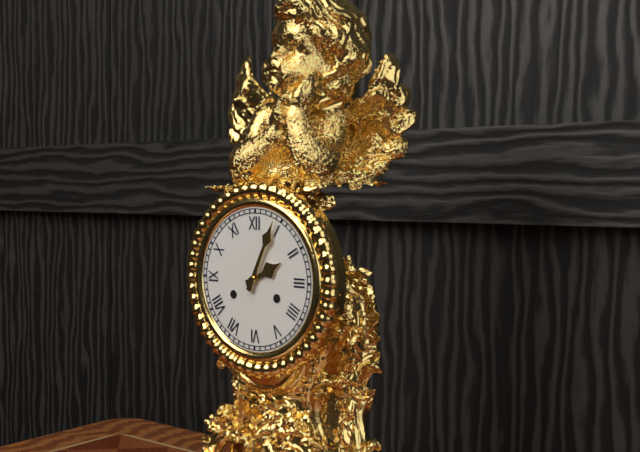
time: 2:04
